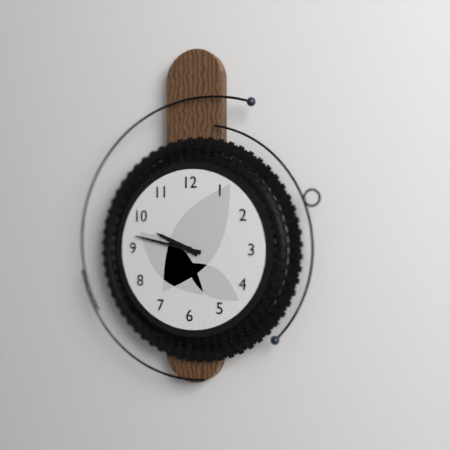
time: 9:47
